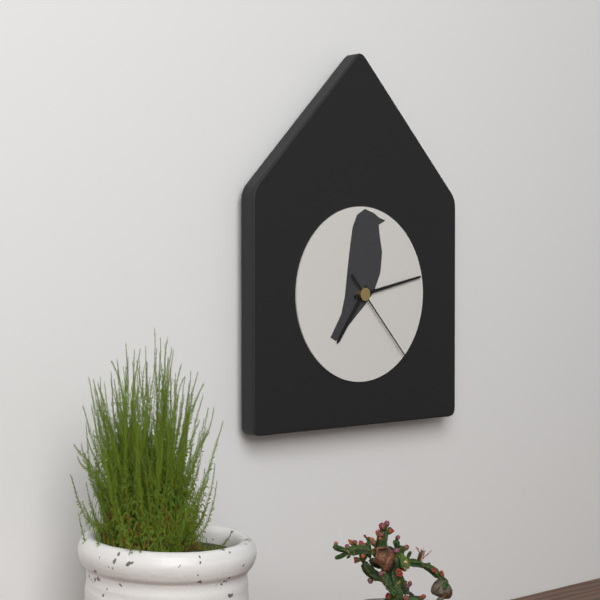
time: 7:13:23
